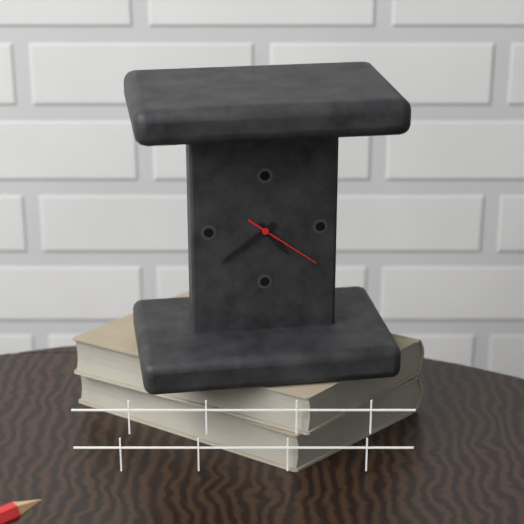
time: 4:39:21
